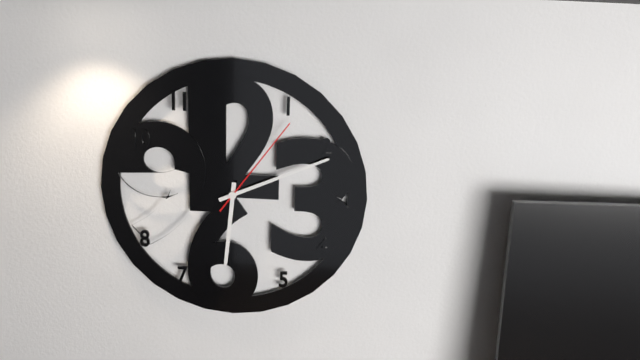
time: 6:11:06
